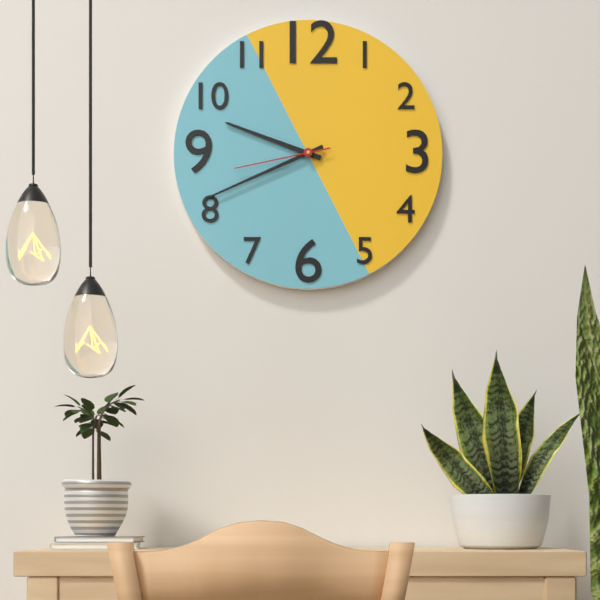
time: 9:41:43
